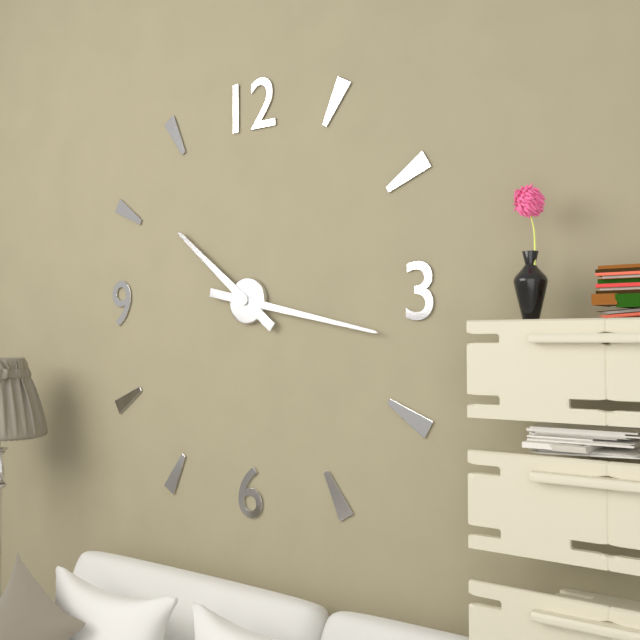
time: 10:17
